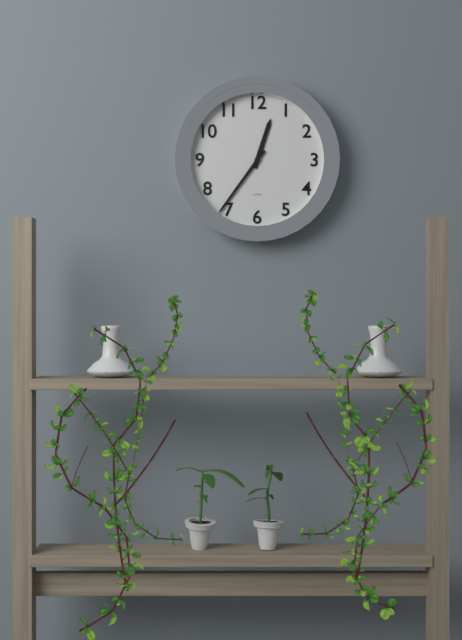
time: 12:36
